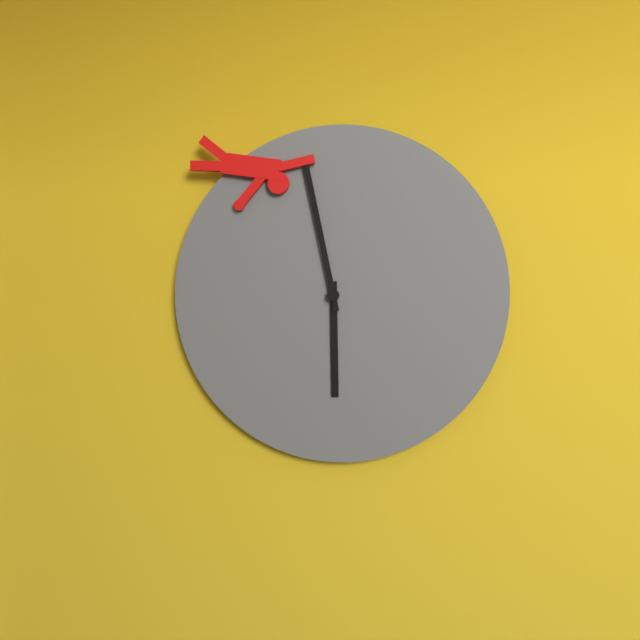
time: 5:58
